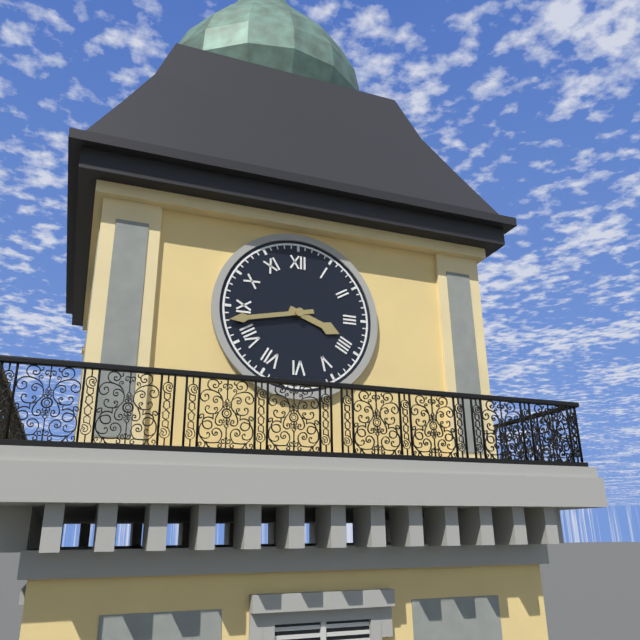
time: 3:43
